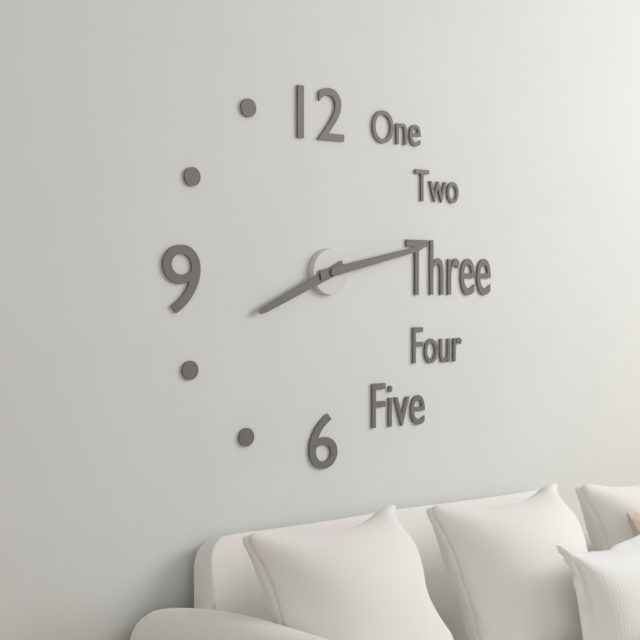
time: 8:13
